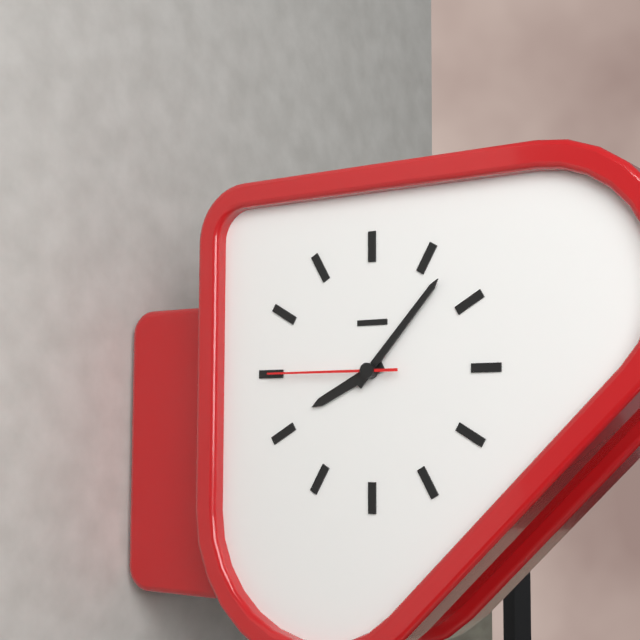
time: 8:07:45
